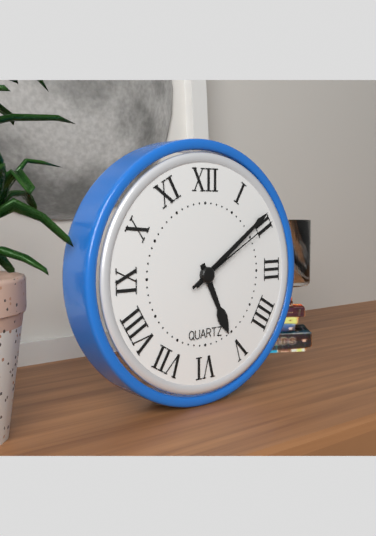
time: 5:09:10
